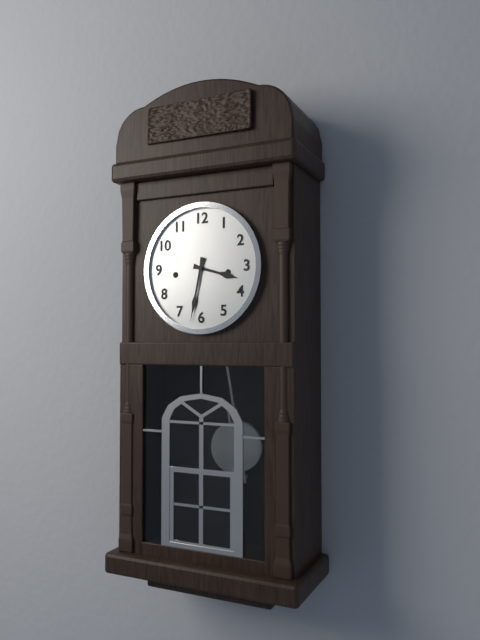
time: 3:32
